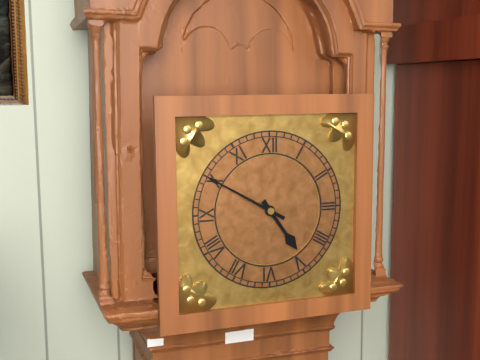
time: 4:50
